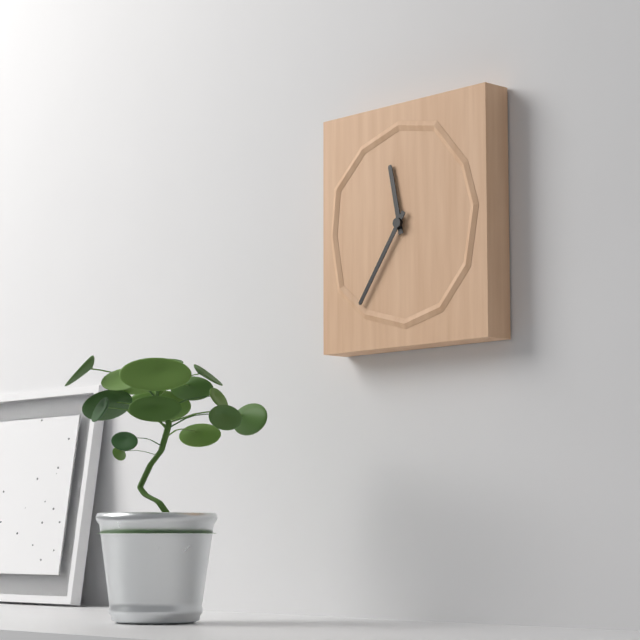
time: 11:36
